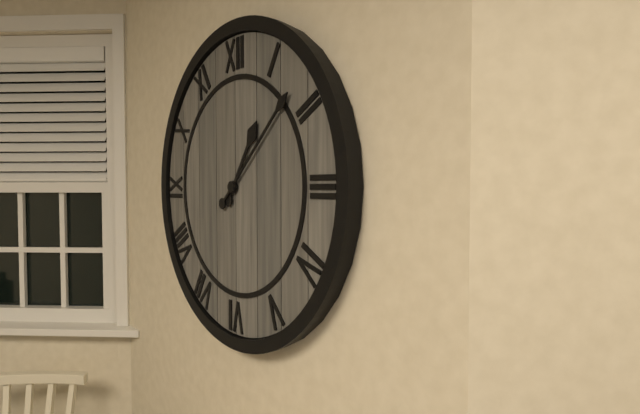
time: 1:08
